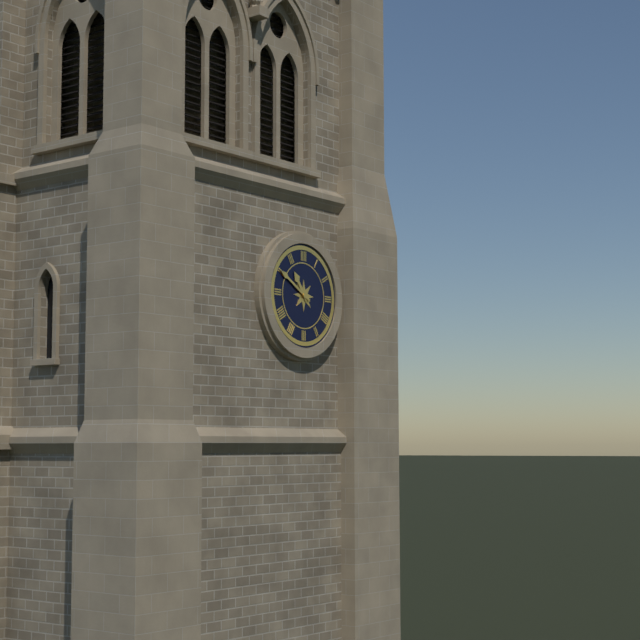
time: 10:50
